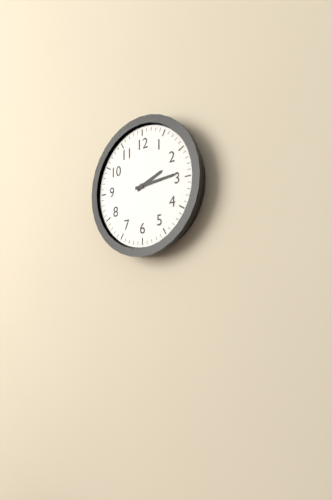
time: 2:14
